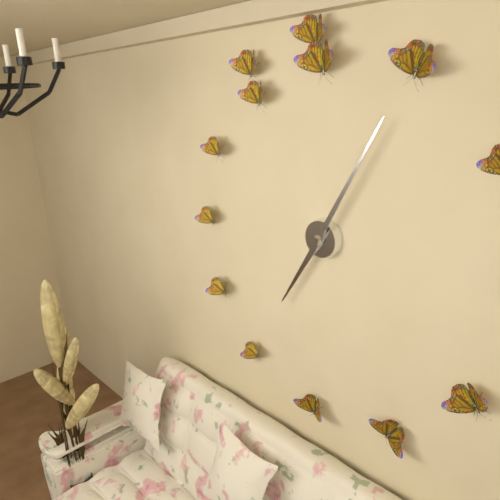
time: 7:05
